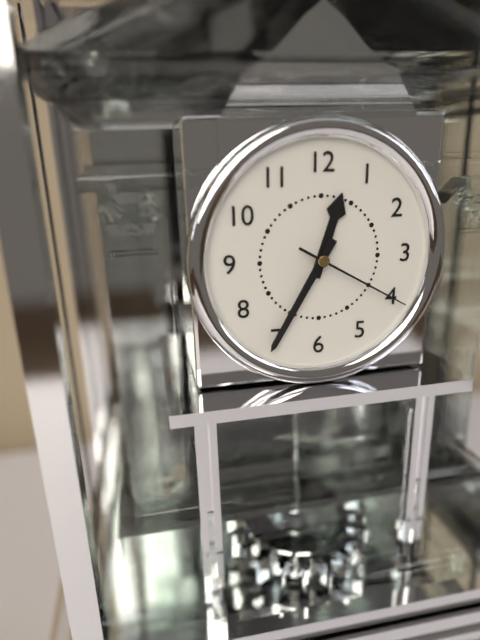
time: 12:35:20
